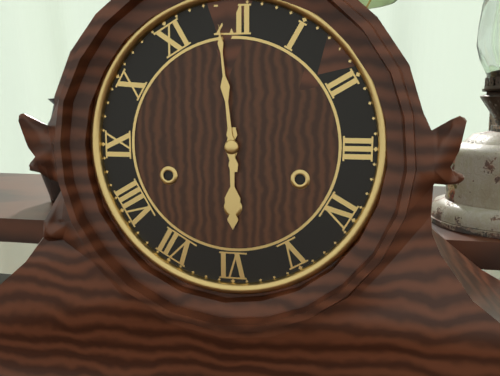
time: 5:59
